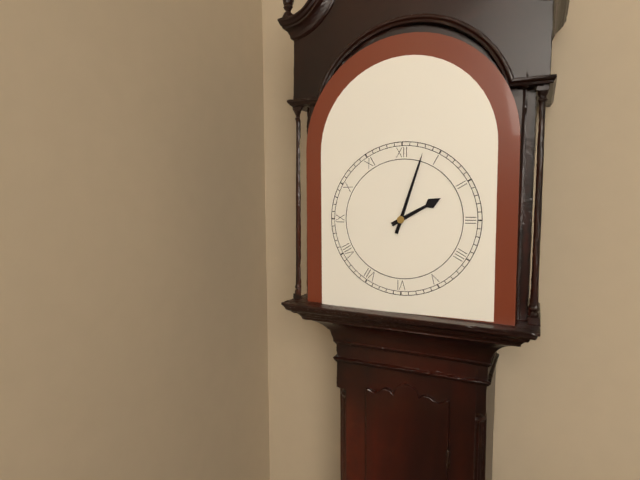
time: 2:03
